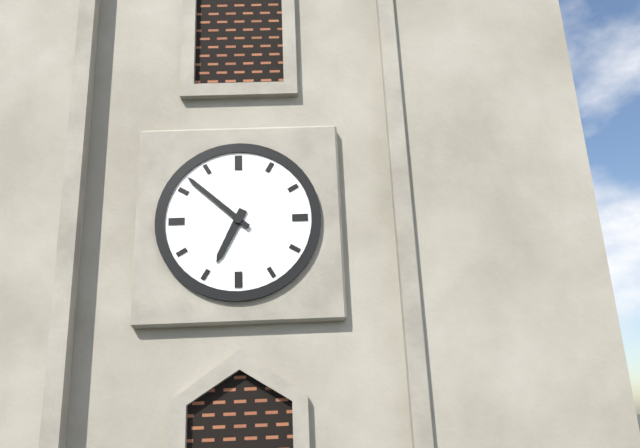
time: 6:52
